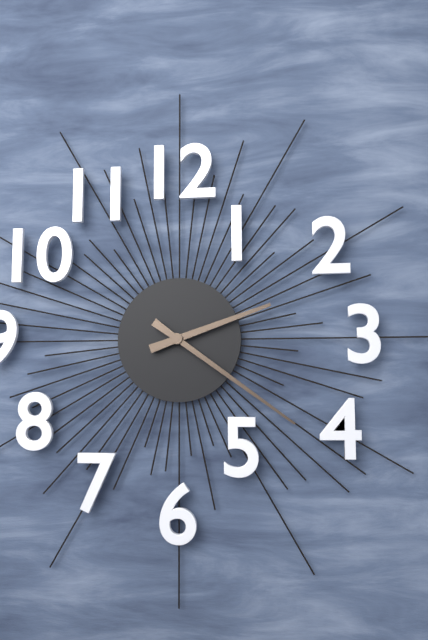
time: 2:21
